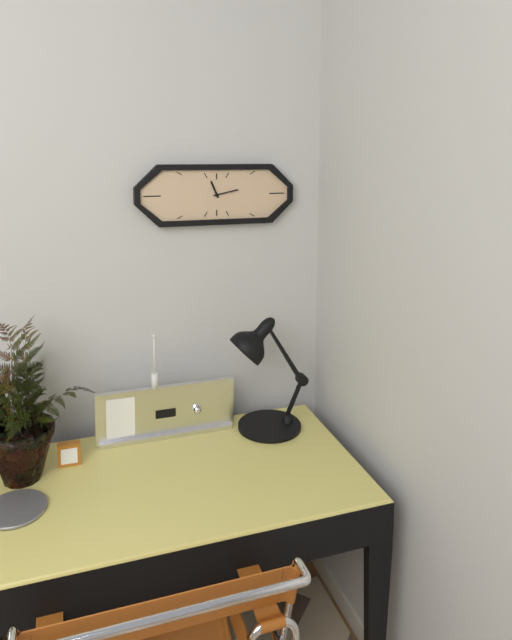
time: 11:13
